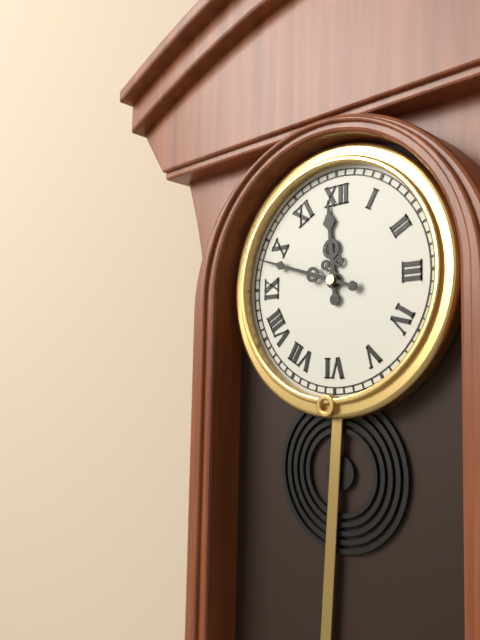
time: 11:48
